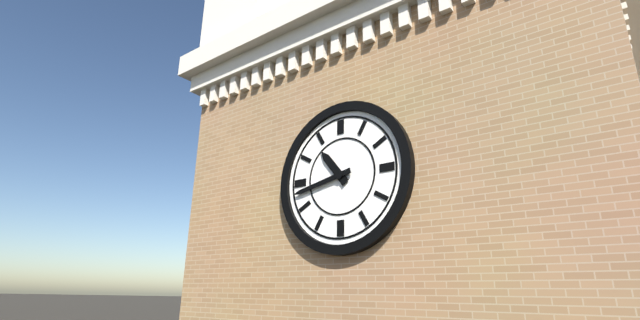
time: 10:43
